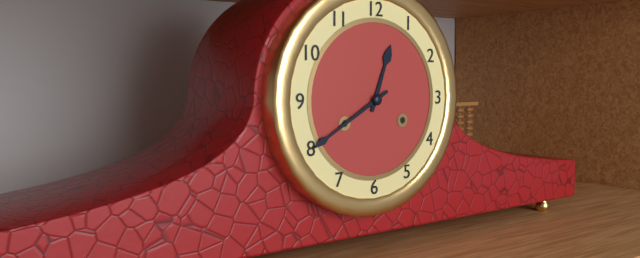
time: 12:40
